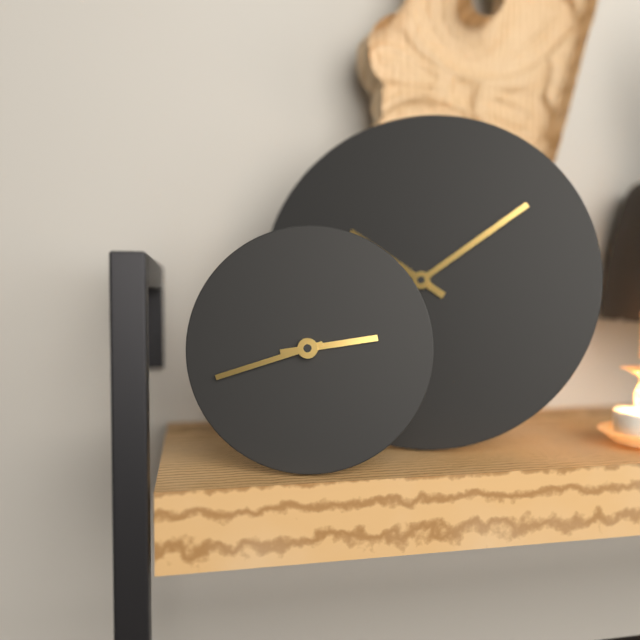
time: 2:42
